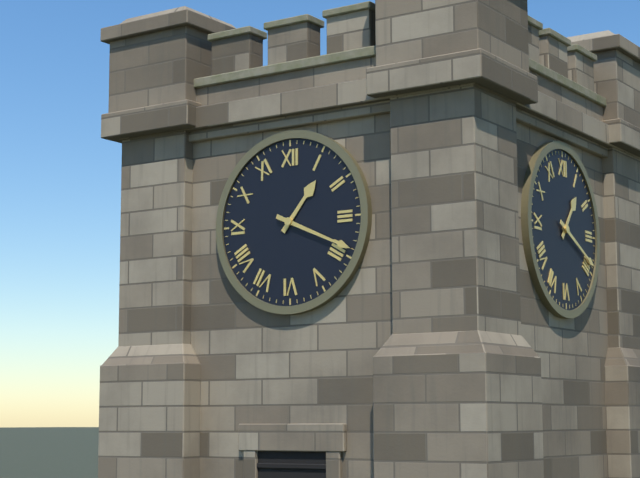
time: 1:19
